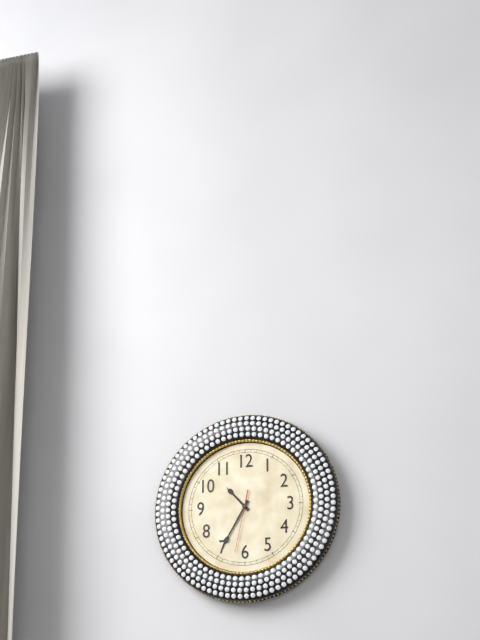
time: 10:35:32
